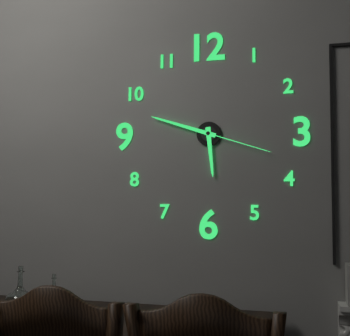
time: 5:48:18
